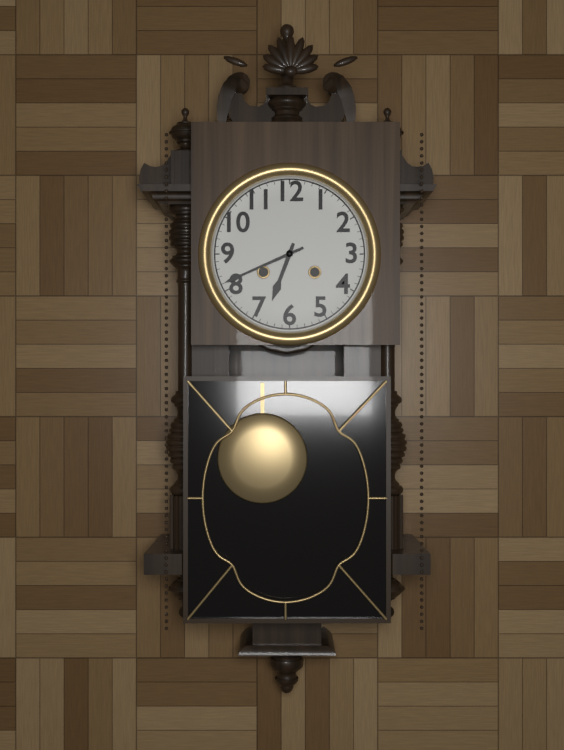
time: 6:41
